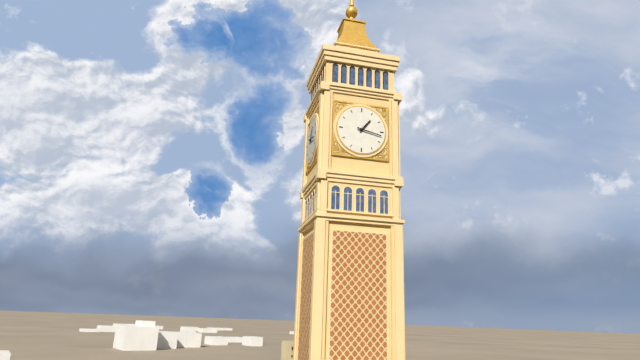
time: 1:17
